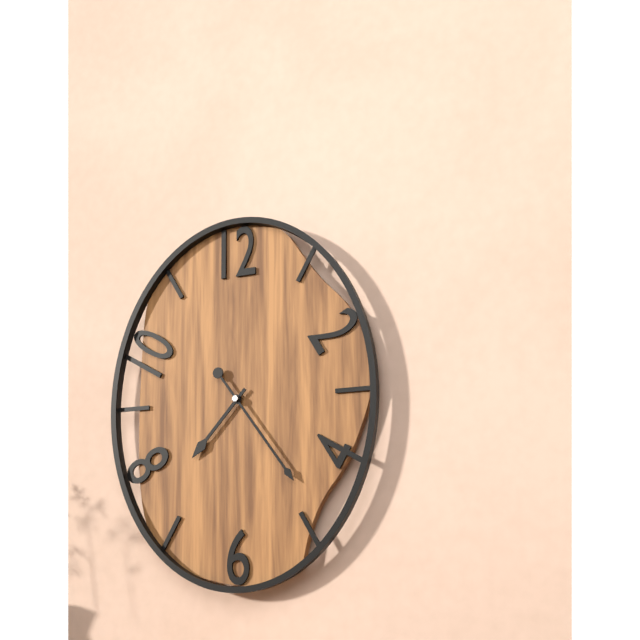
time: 7:24
